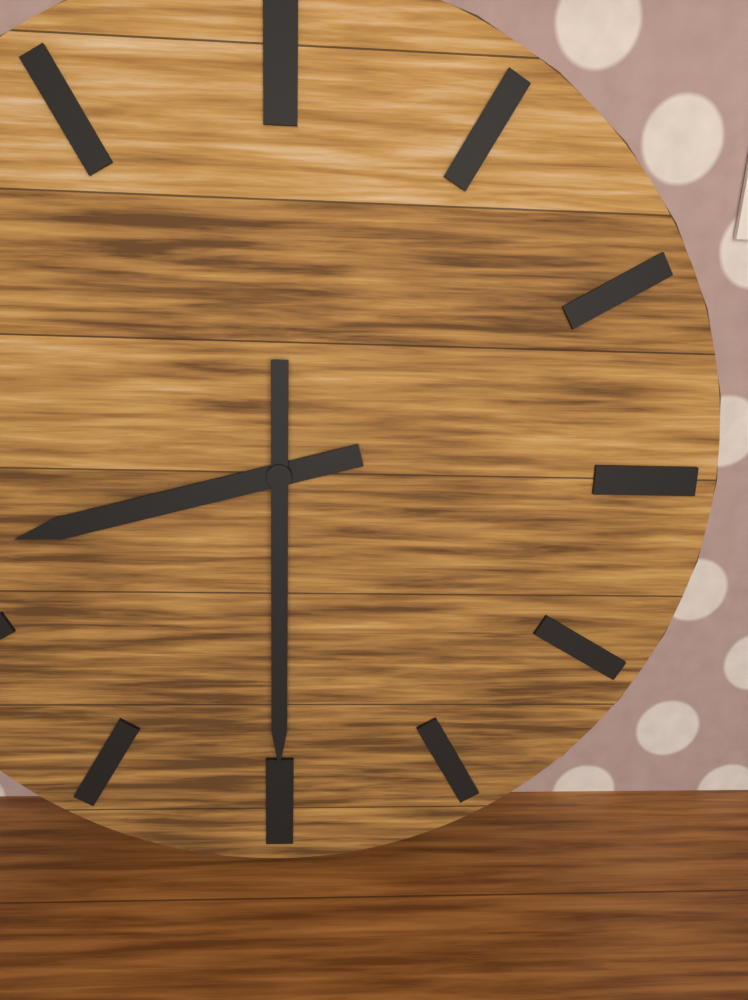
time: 8:30
